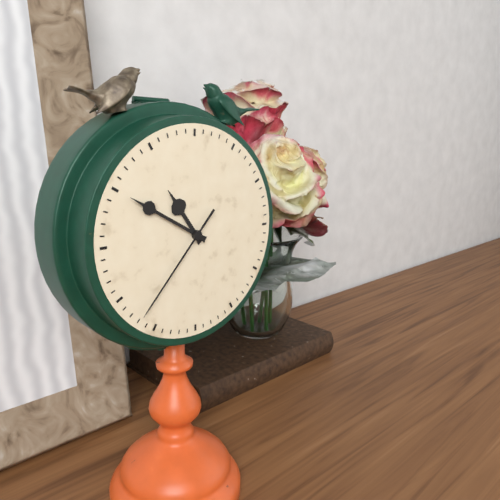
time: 10:50:37
